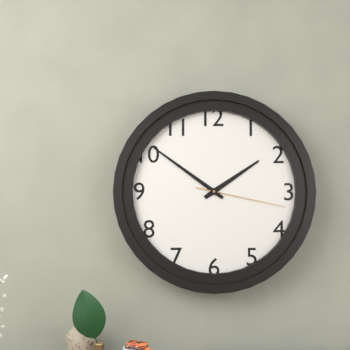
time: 1:51:17
